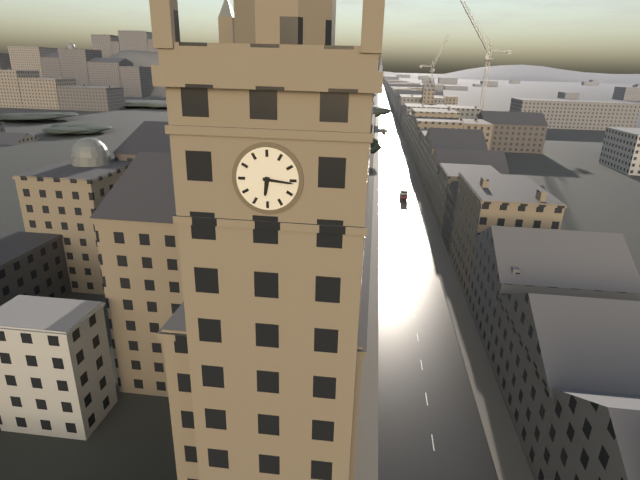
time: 6:16
